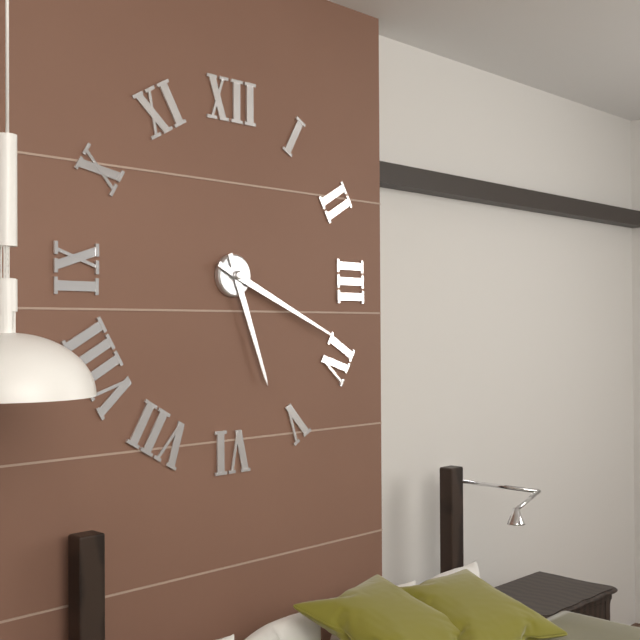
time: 5:19
